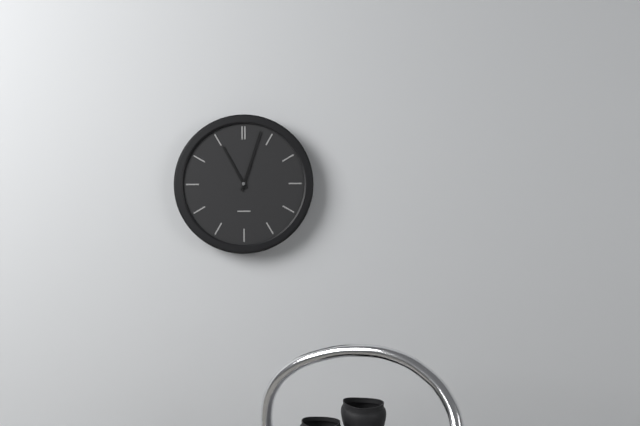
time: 11:03
